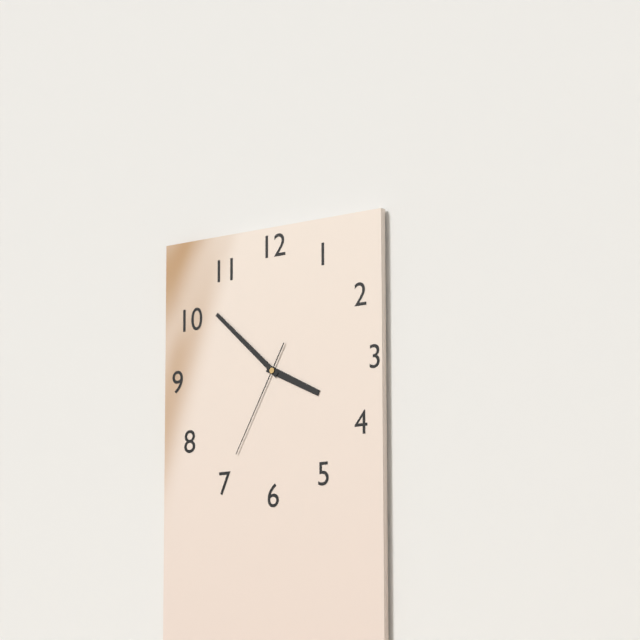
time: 3:52:35
